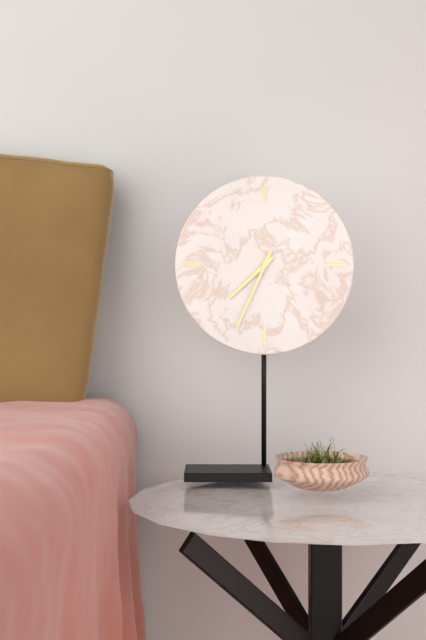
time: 7:34
